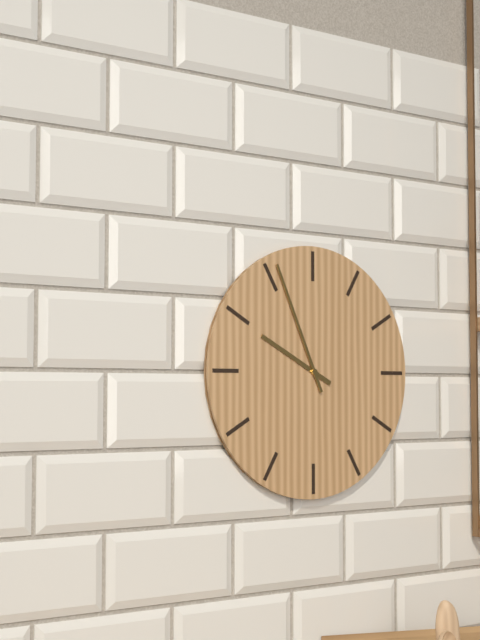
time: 9:56
